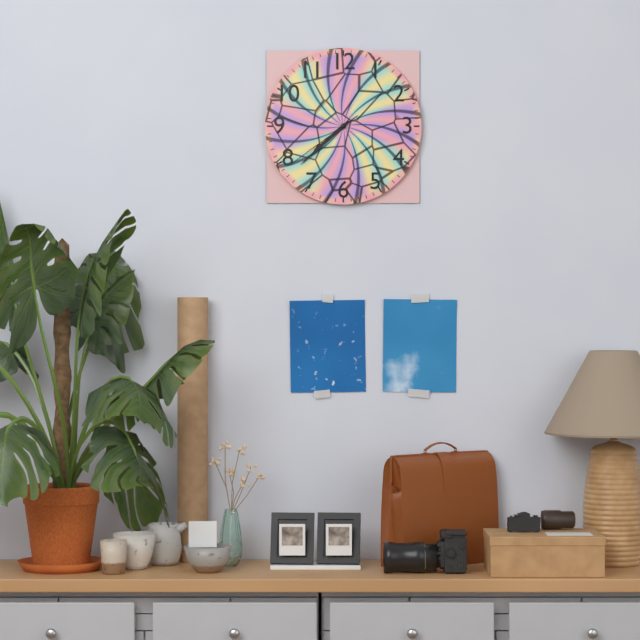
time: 7:38:39
